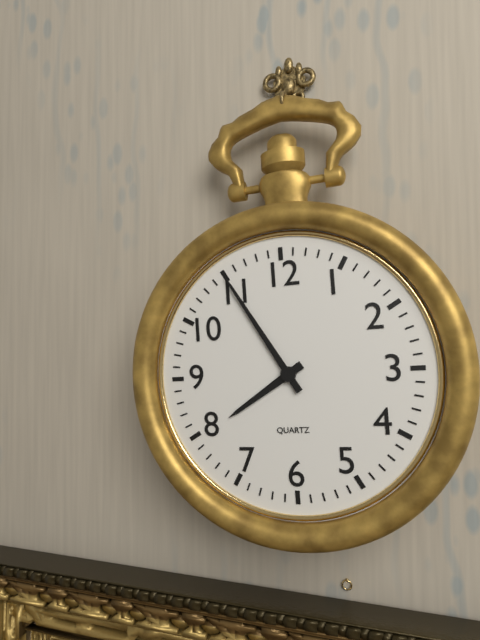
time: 7:55
